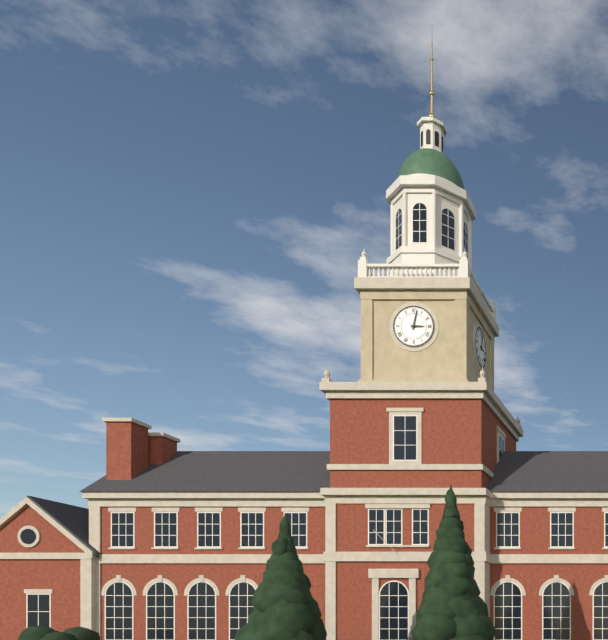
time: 3:02
